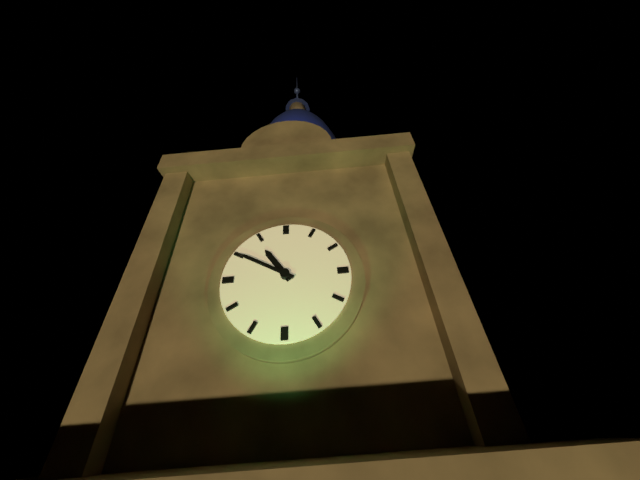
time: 10:50
